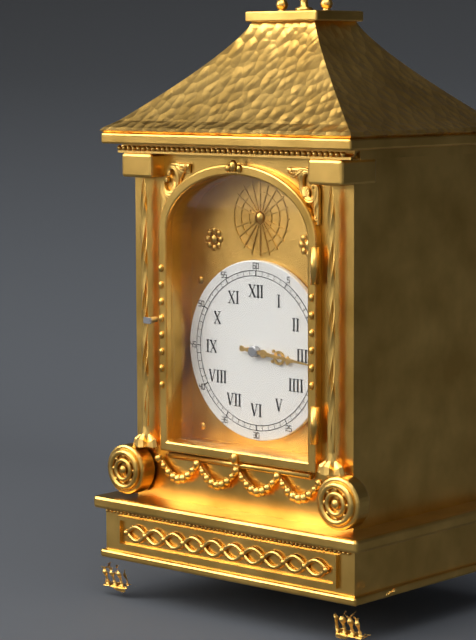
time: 3:16
